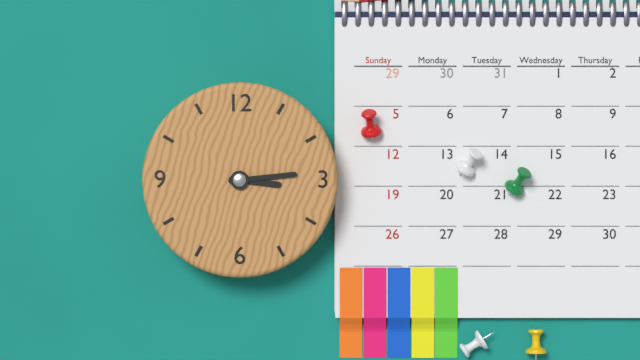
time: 3:14
